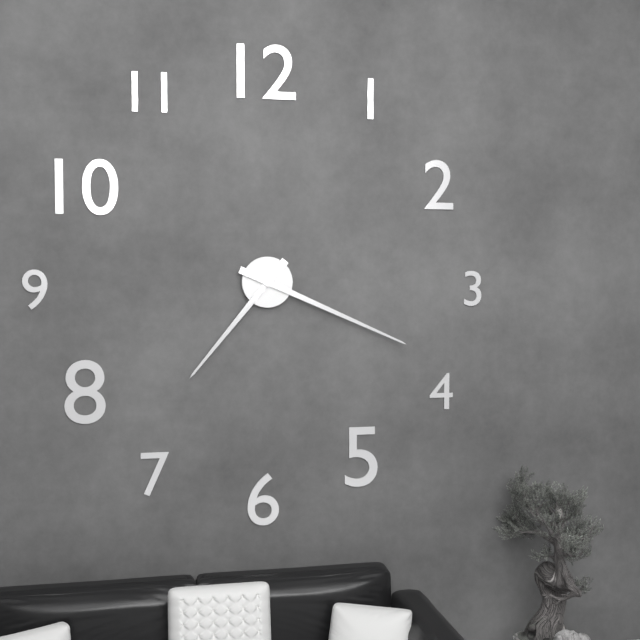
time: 7:19
